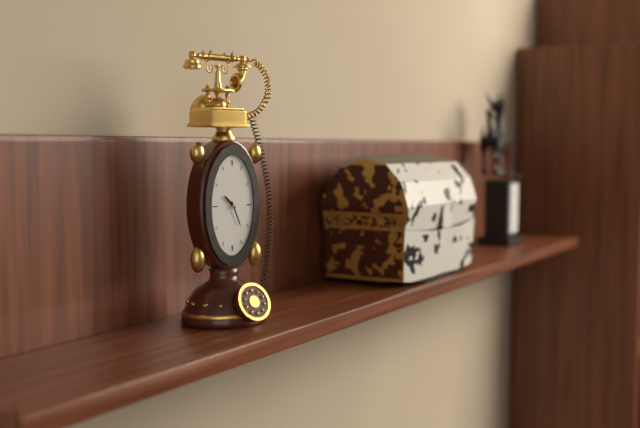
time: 10:26
